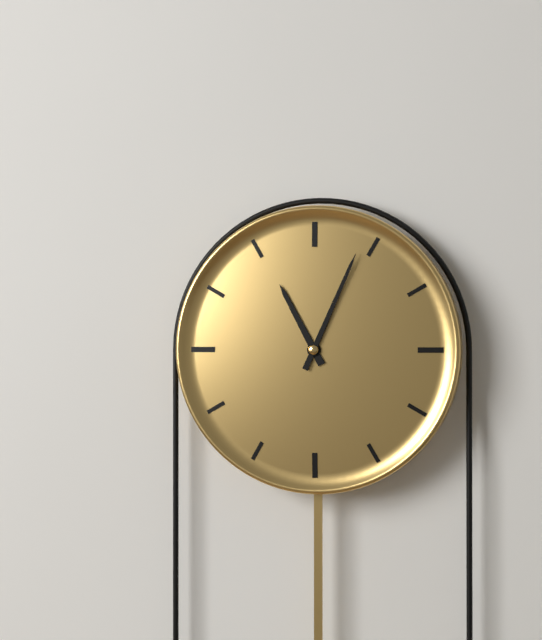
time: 11:04
